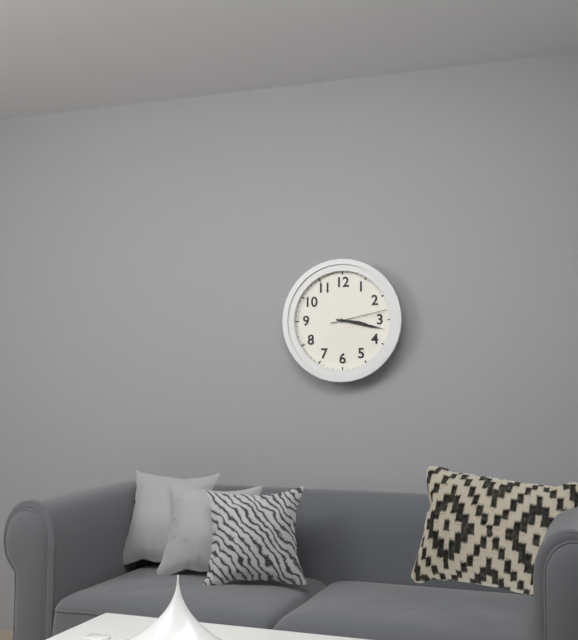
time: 3:17:13
